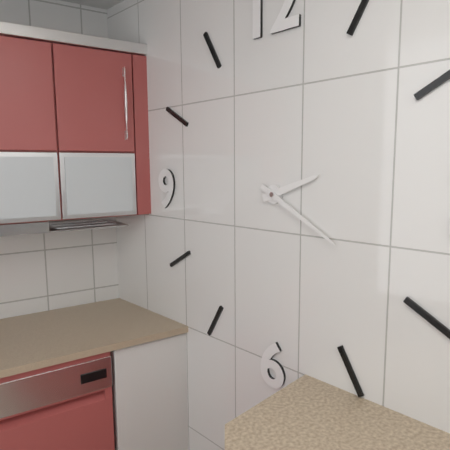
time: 2:20
